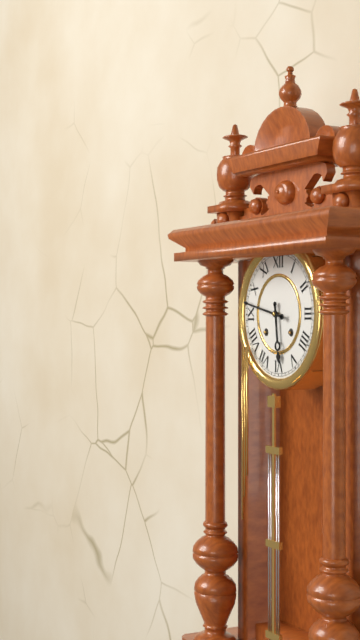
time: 5:47
